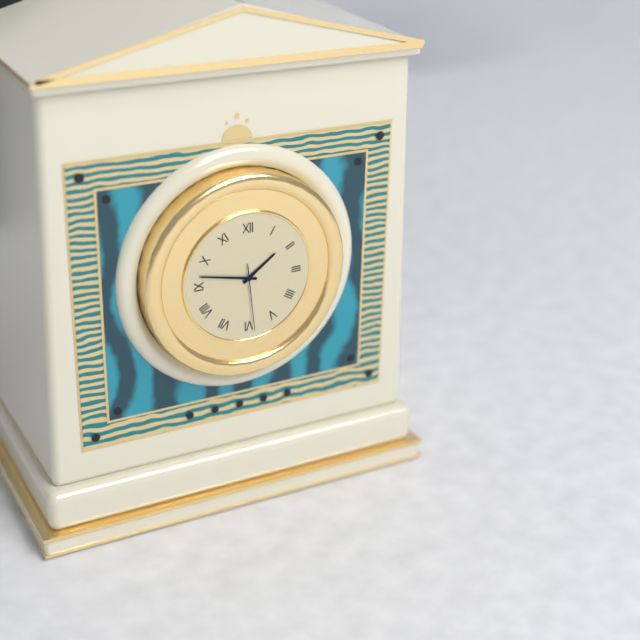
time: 1:47:29
